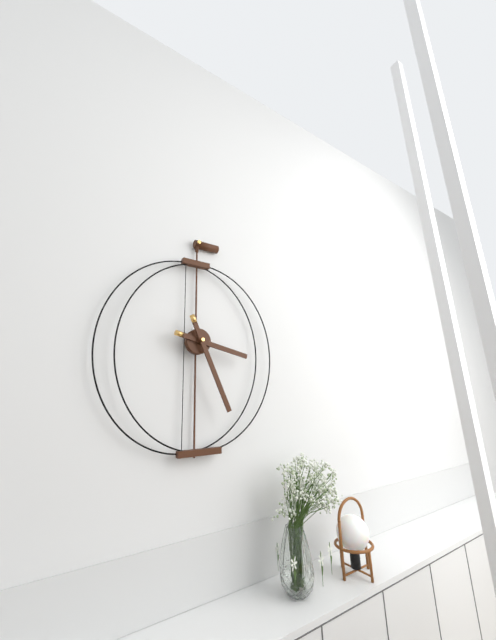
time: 3:26
